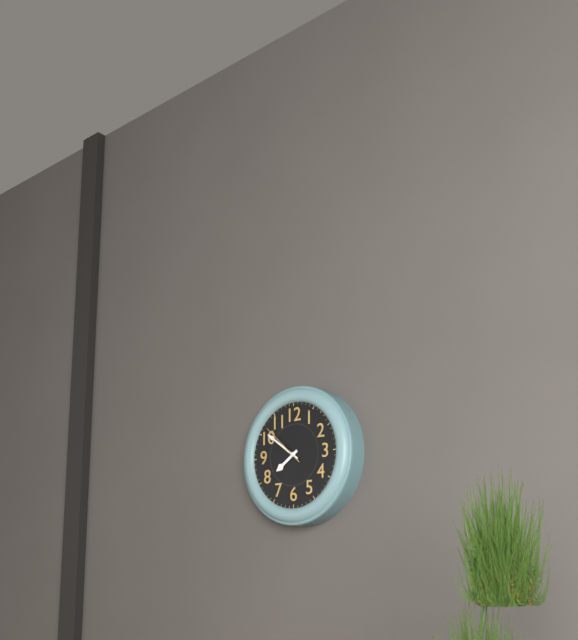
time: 7:51
